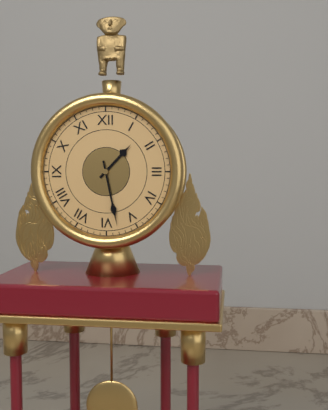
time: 1:28
